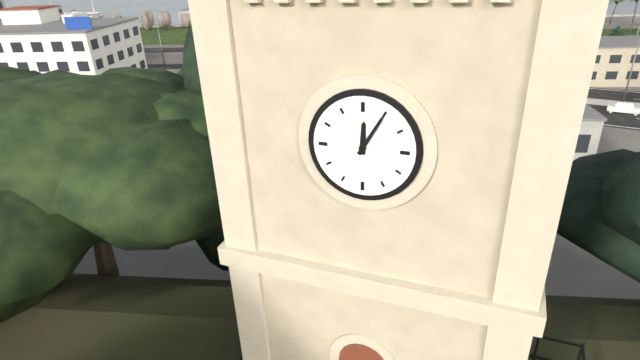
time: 12:05
